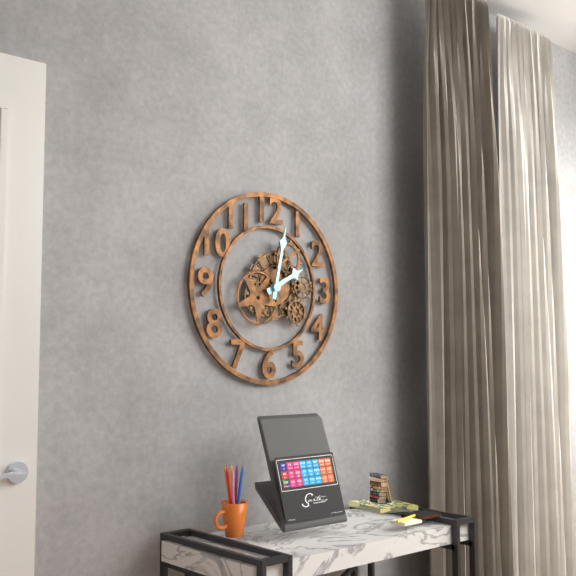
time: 2:02
